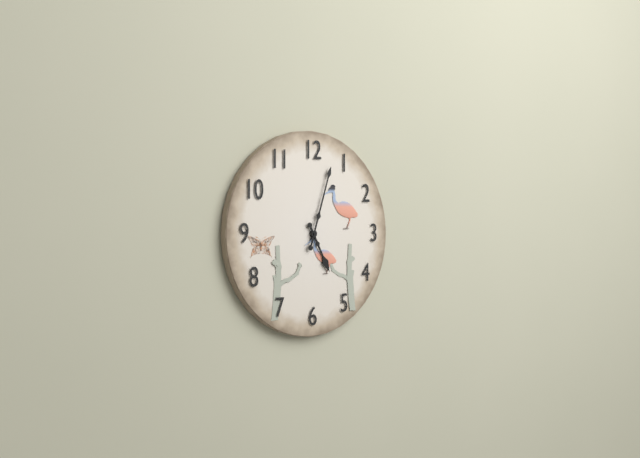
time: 5:03
